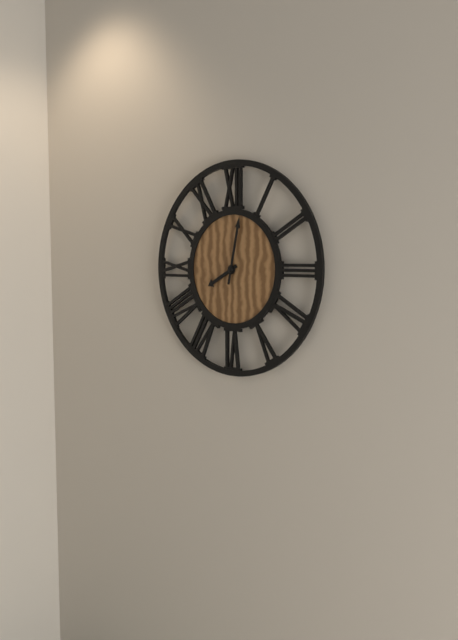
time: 8:02
